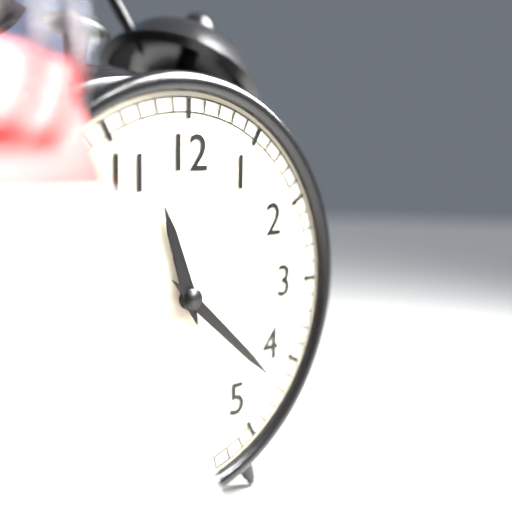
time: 11:22
